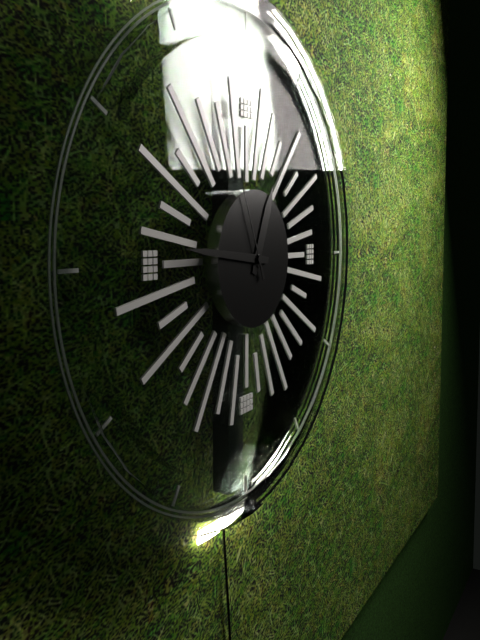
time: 12:46:56
